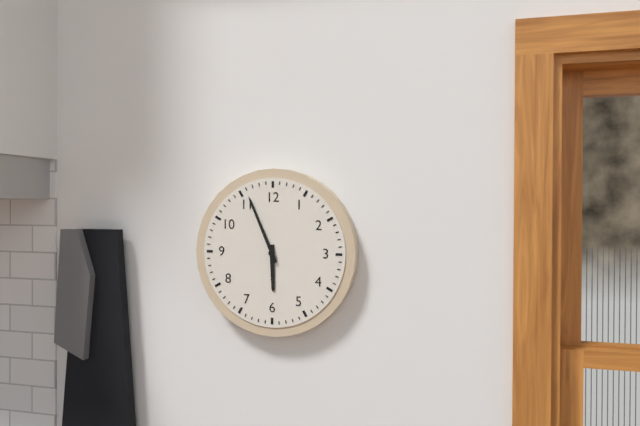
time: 5:56
